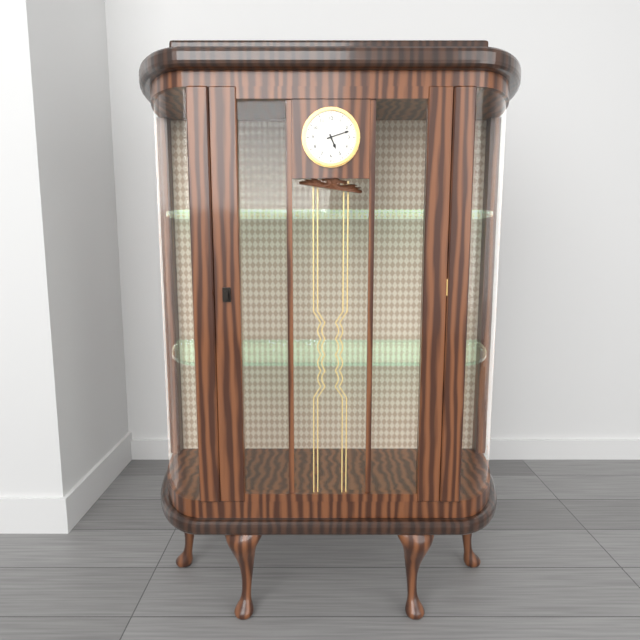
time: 5:12
